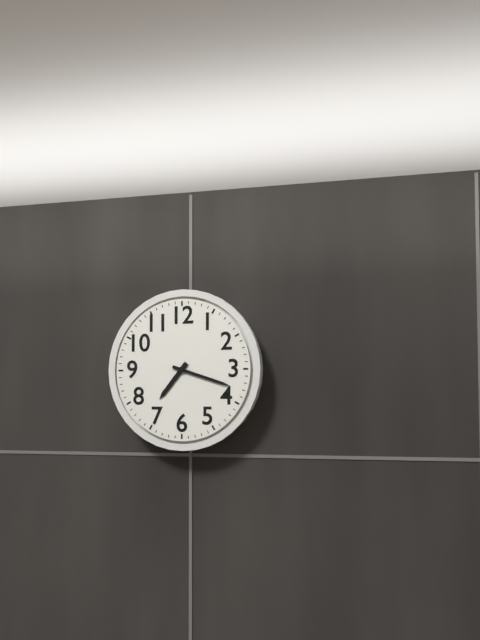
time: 7:18
